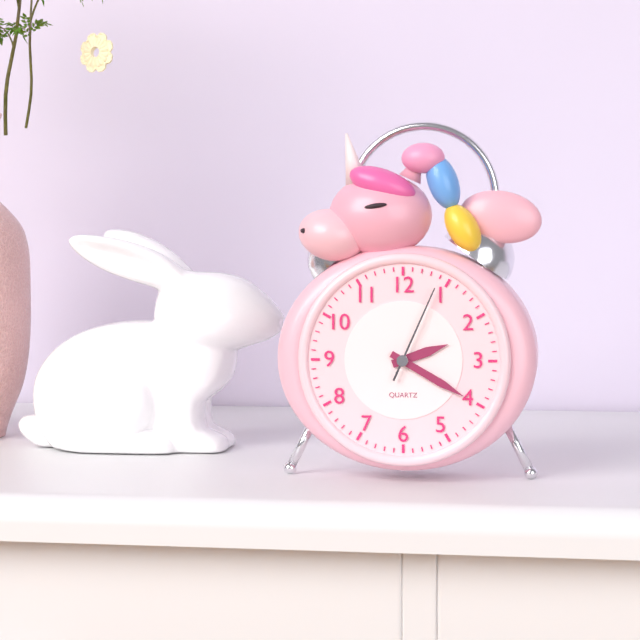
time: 2:20:04
